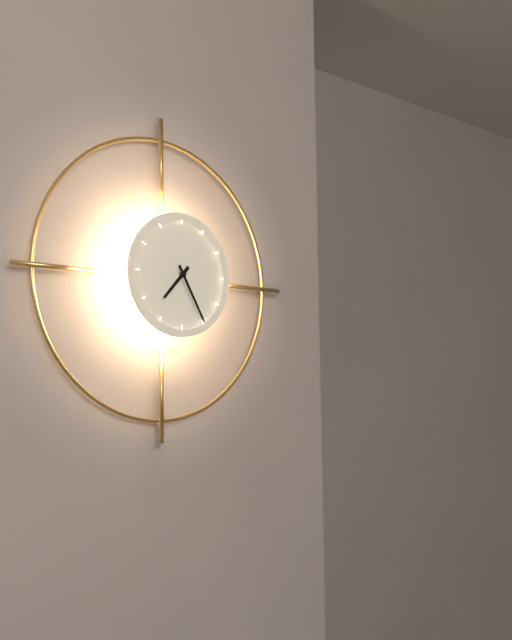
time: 7:25
